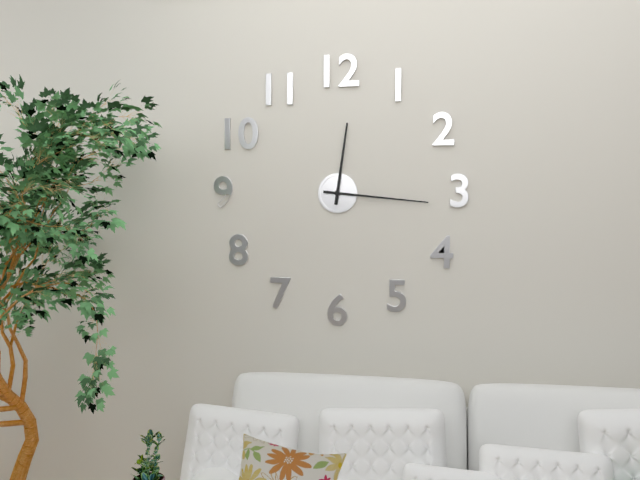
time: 12:16
